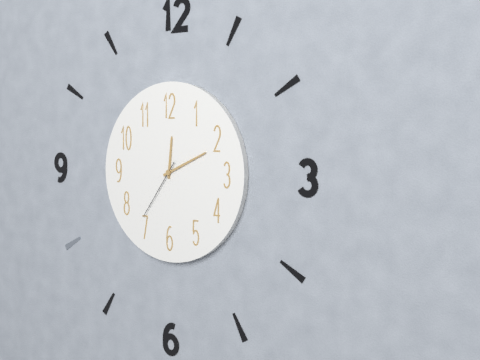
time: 12:11:36
